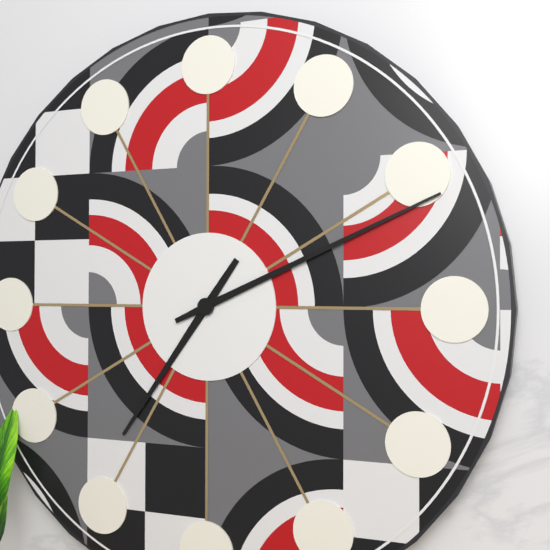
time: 7:11
